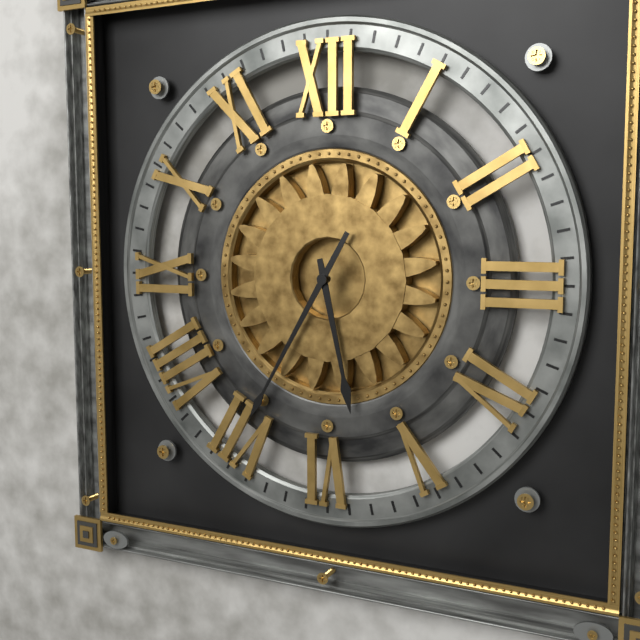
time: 5:35
